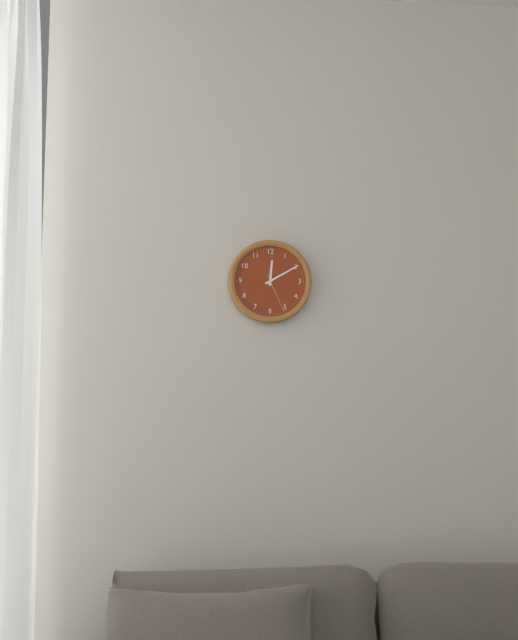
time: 12:10
